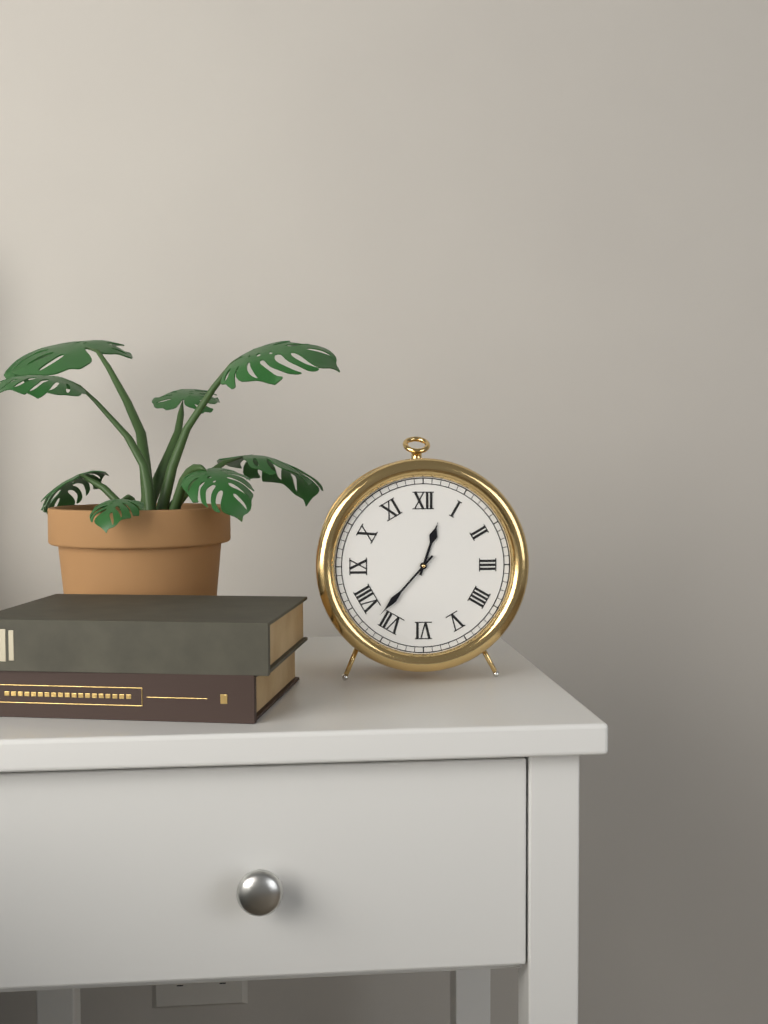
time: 12:37
